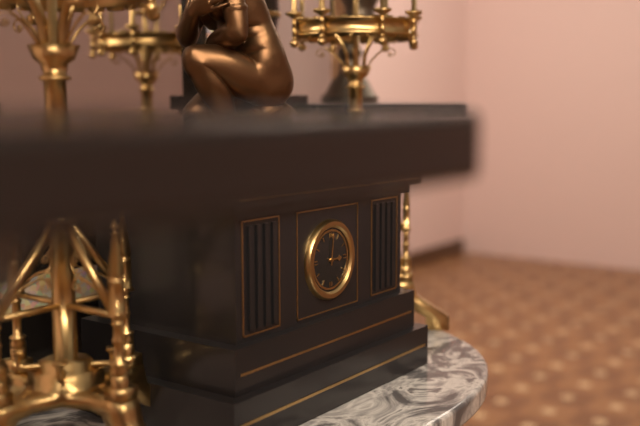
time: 3:01
